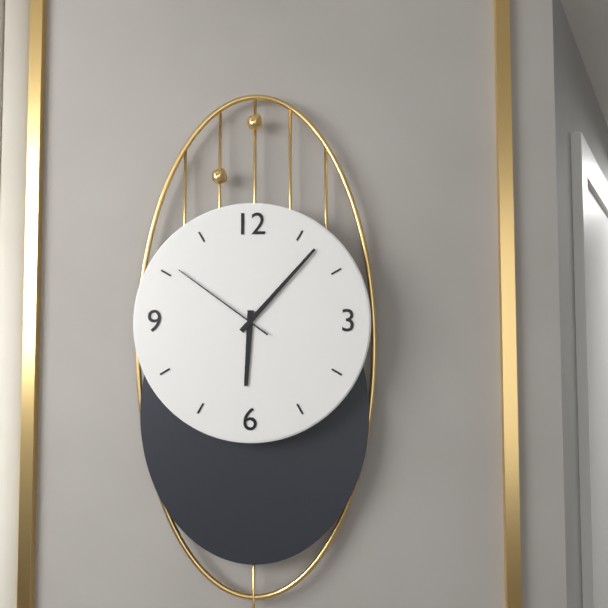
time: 6:07:51
